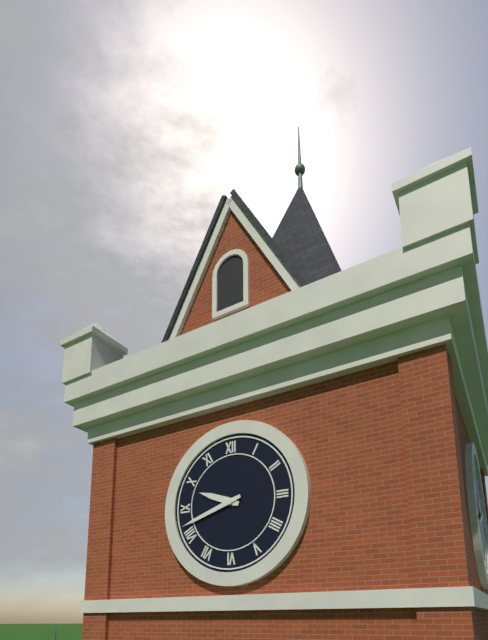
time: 9:42
